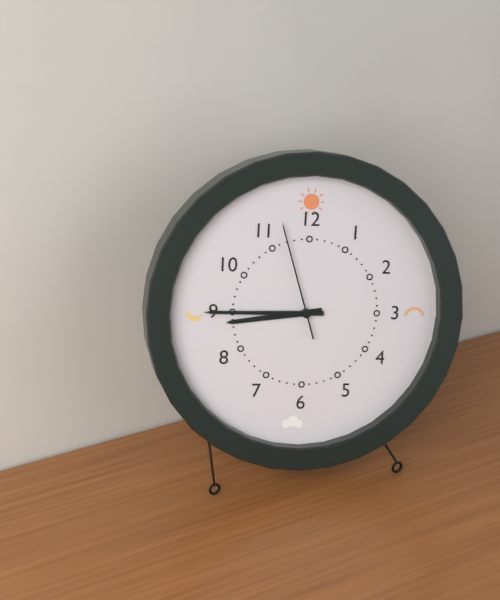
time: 8:45:57
